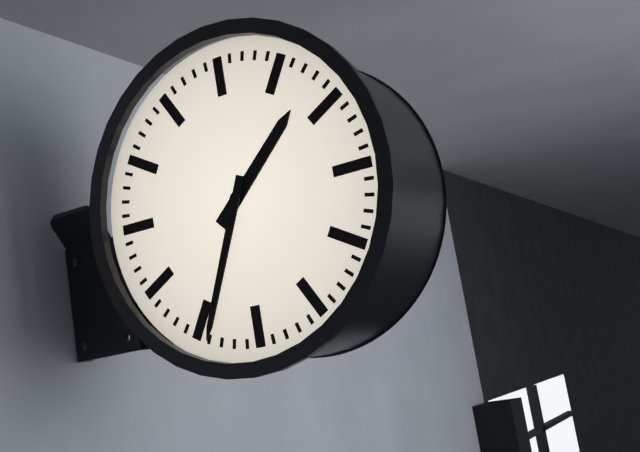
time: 1:34
